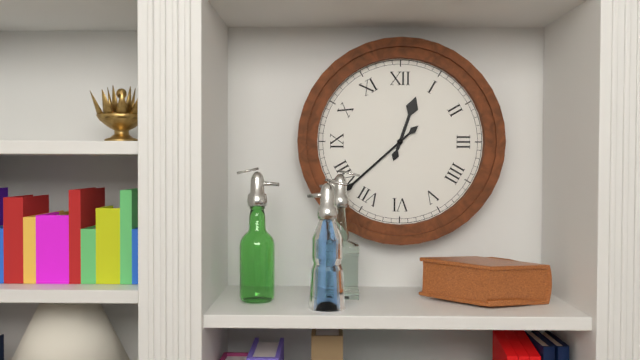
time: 12:38
